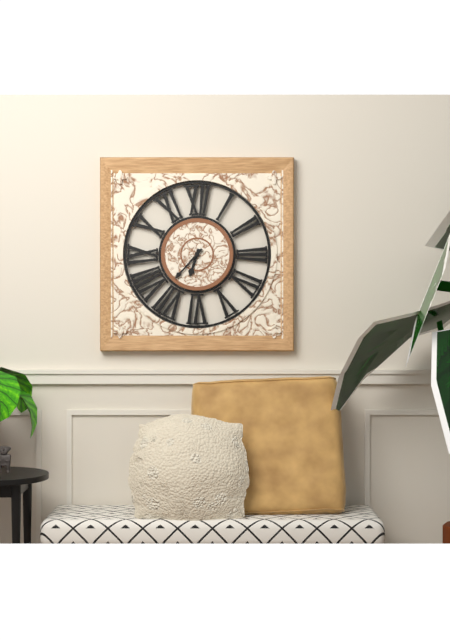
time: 6:37
